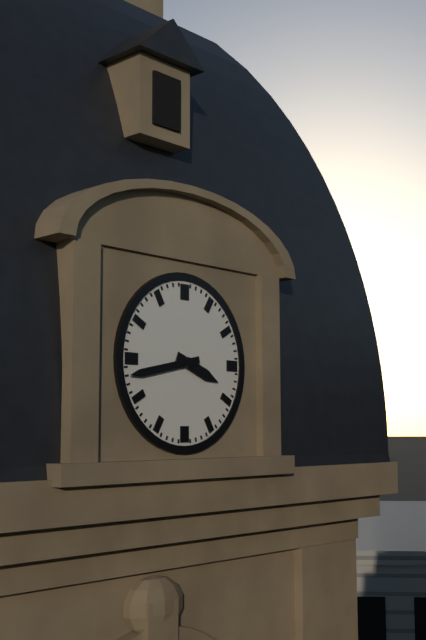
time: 3:43
